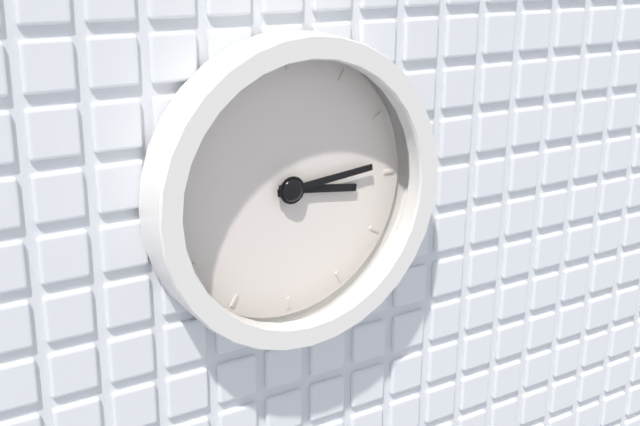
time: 3:14
